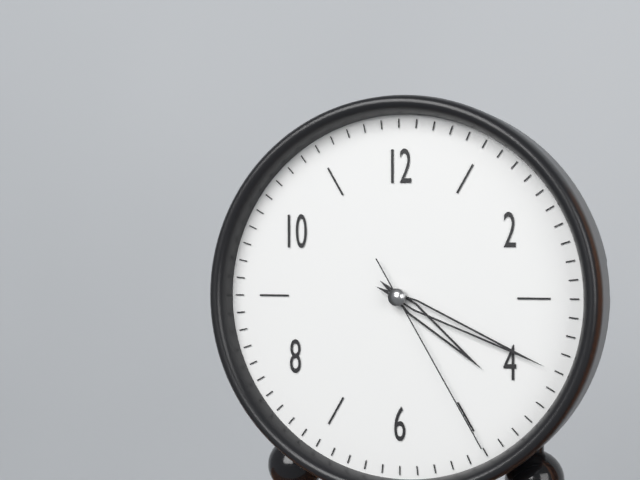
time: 4:19:25
